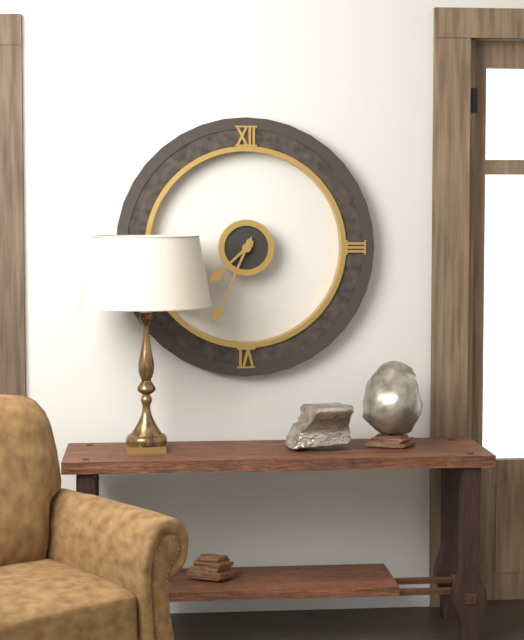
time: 7:34
